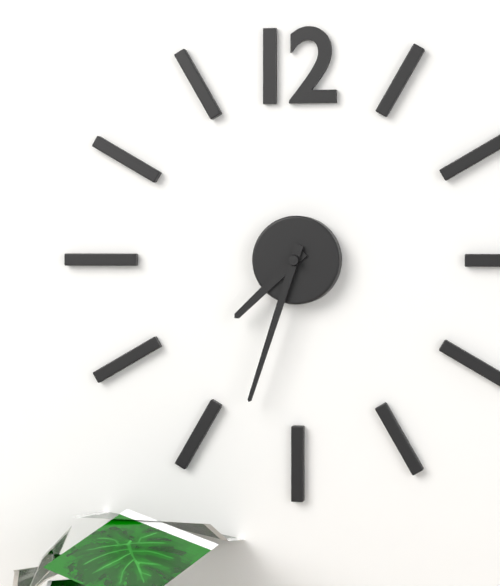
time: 7:33
